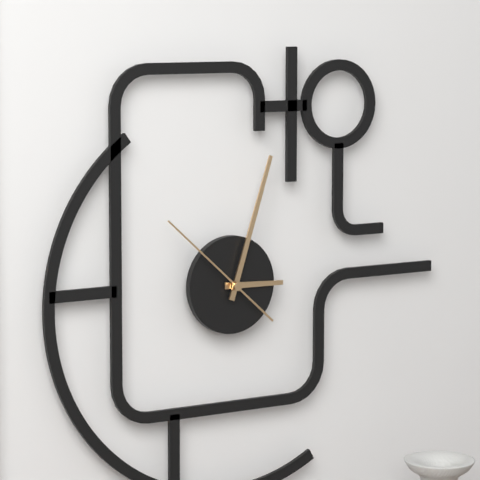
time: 3:03:52
